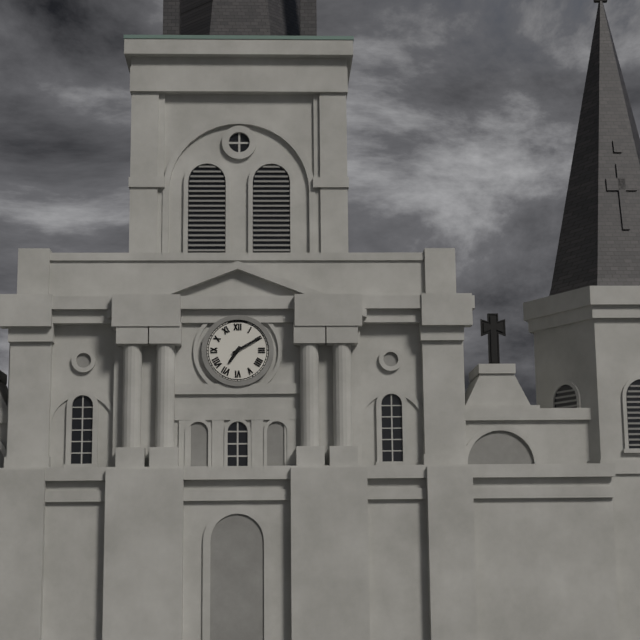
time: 7:10
